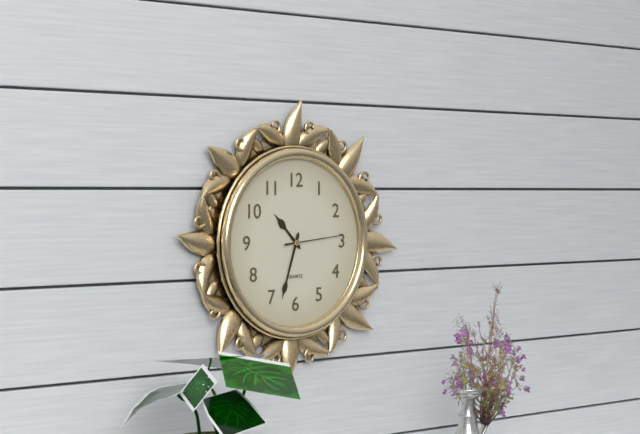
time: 10:33:14
